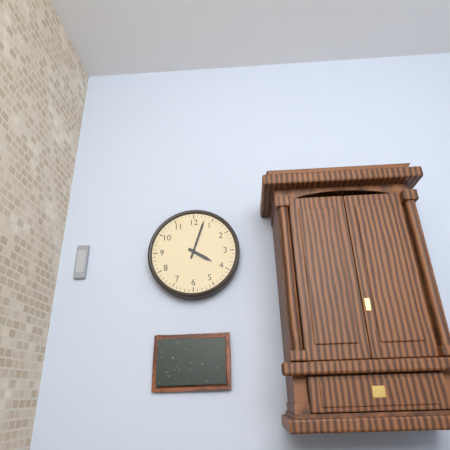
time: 4:03
